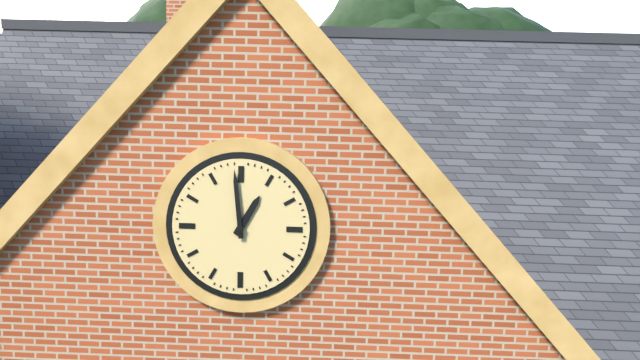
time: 12:59
